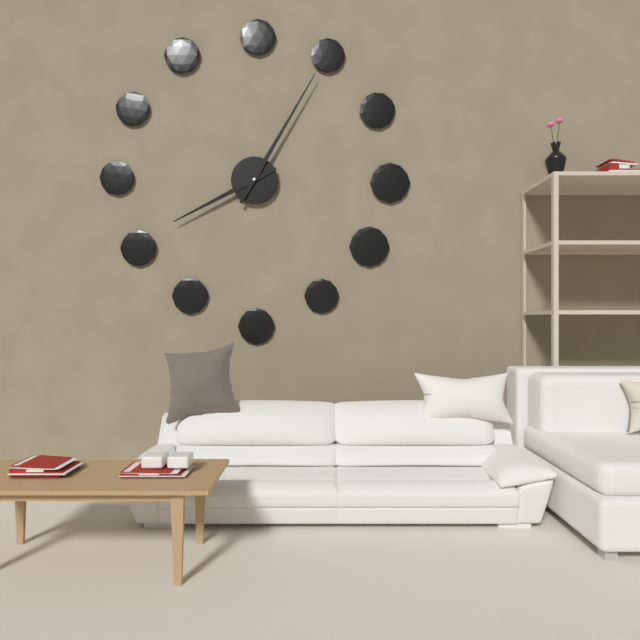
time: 8:05
